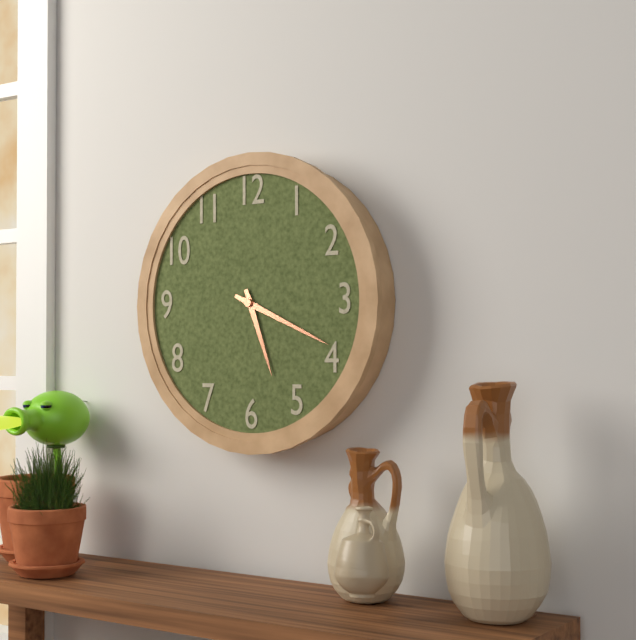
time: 5:19
